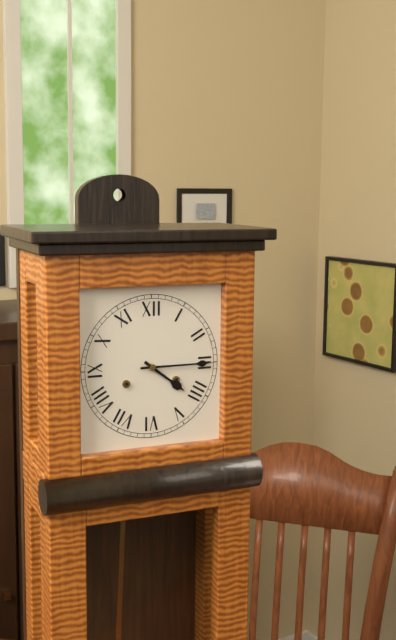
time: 4:15
